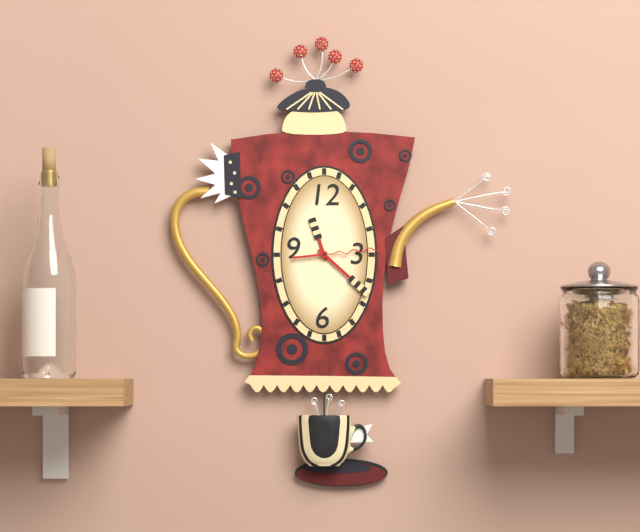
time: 11:22:14
